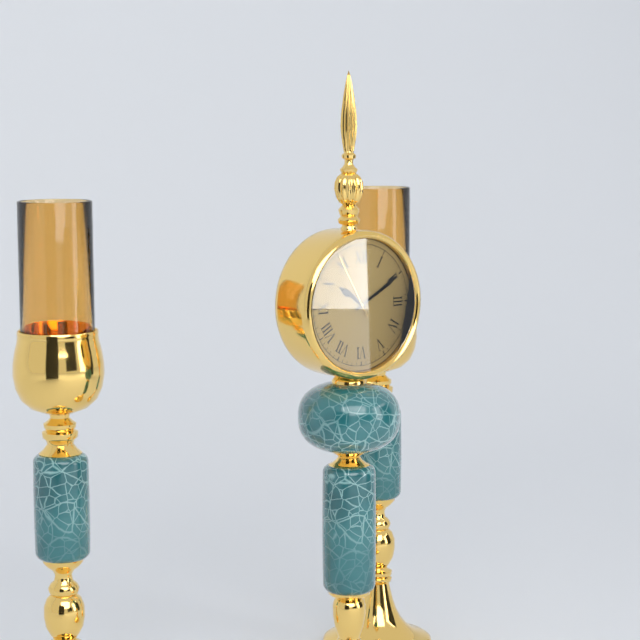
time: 10:10:55
